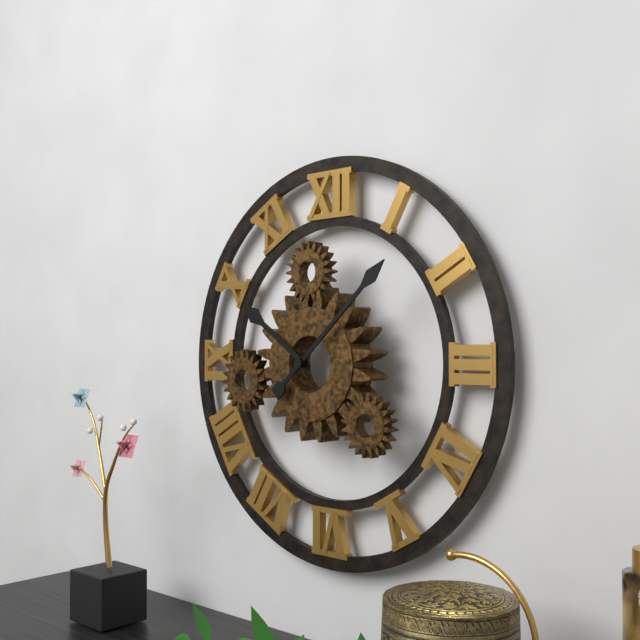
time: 10:08
